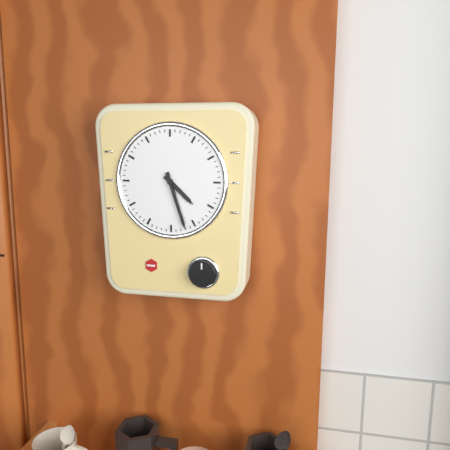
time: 4:27
